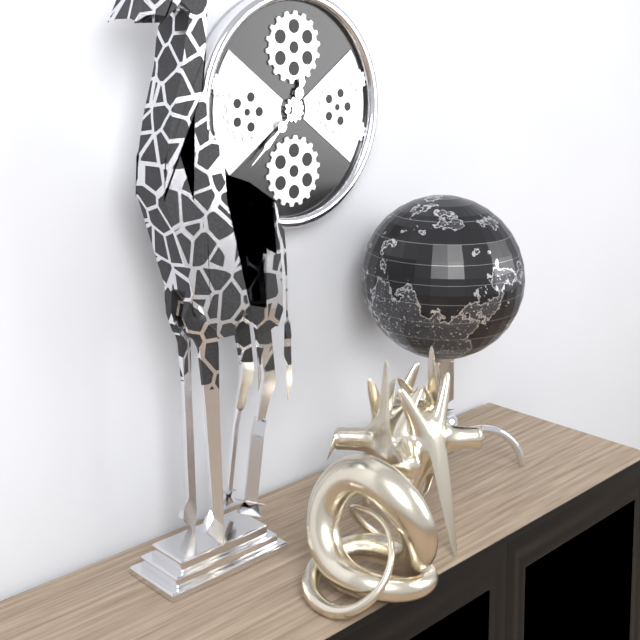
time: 12:38
